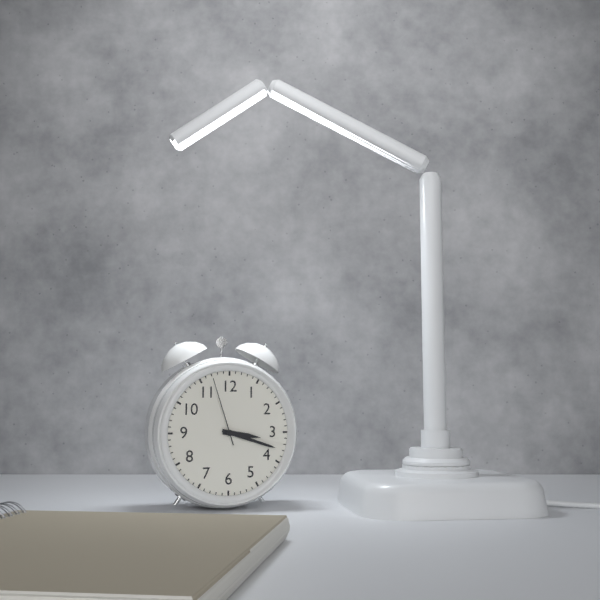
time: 3:18:57
